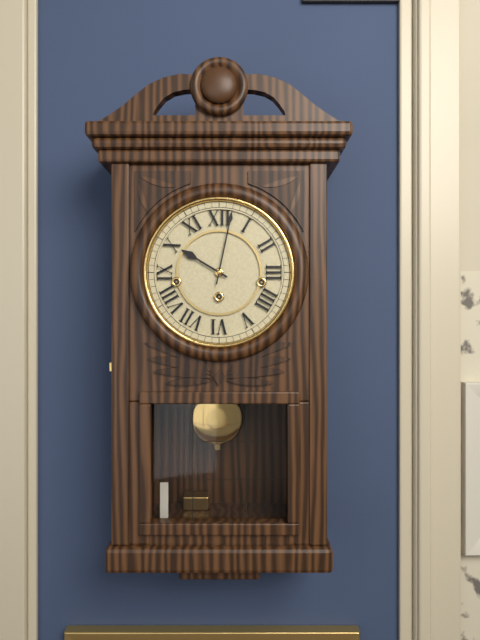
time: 10:02
